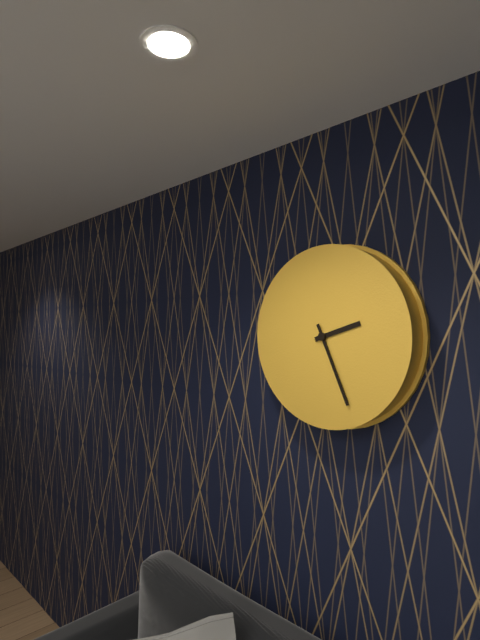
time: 2:26
